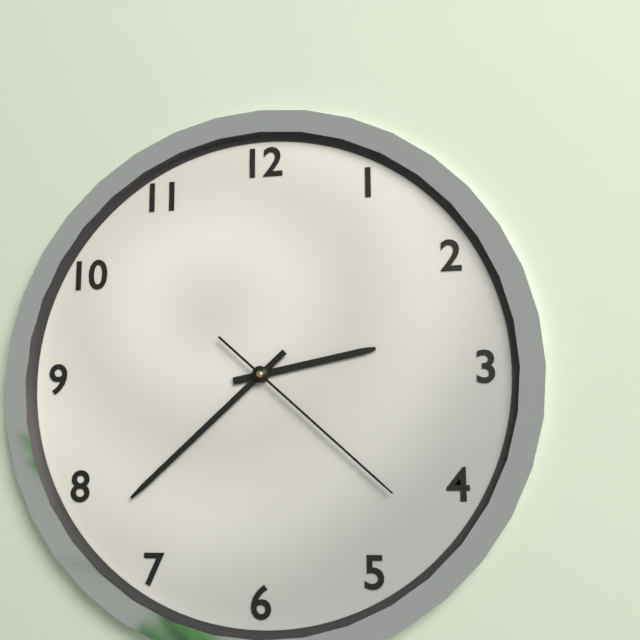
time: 2:38:22
